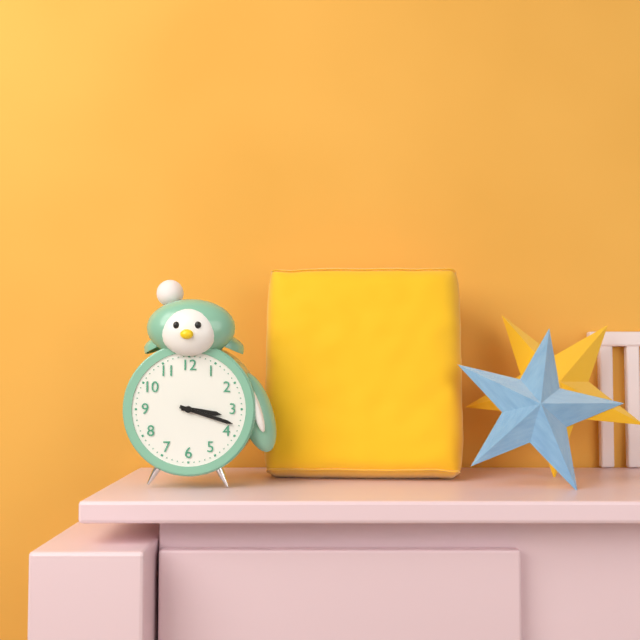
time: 3:18
